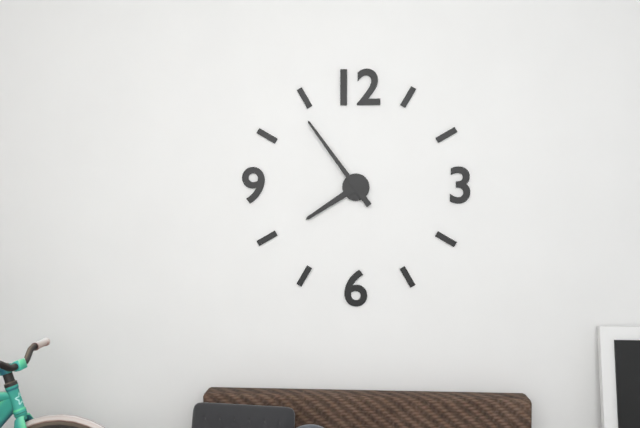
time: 7:54
